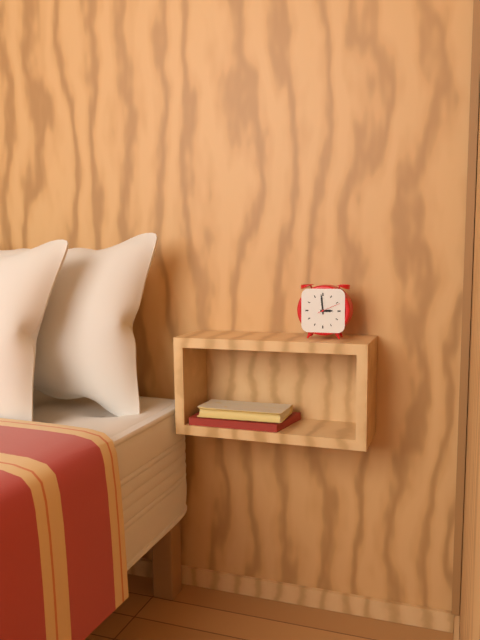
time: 2:59
